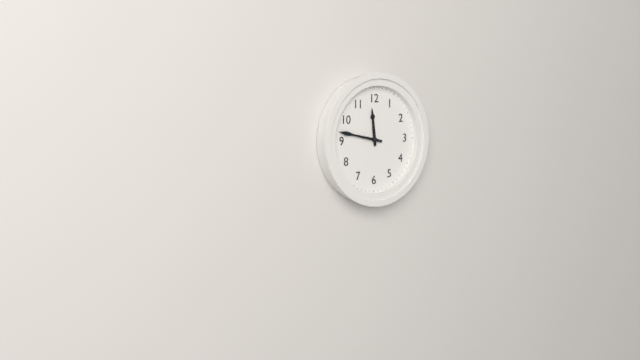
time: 11:47
